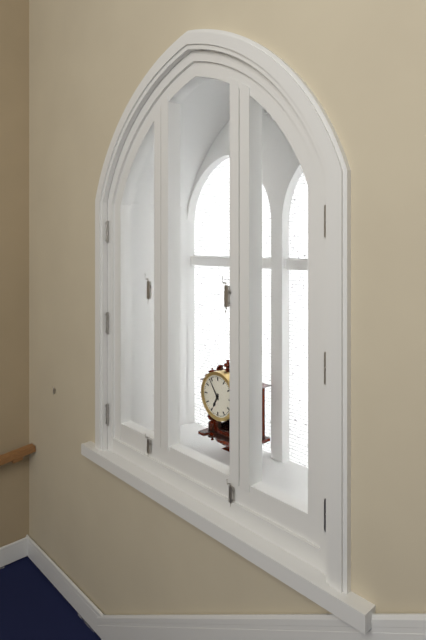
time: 6:54
